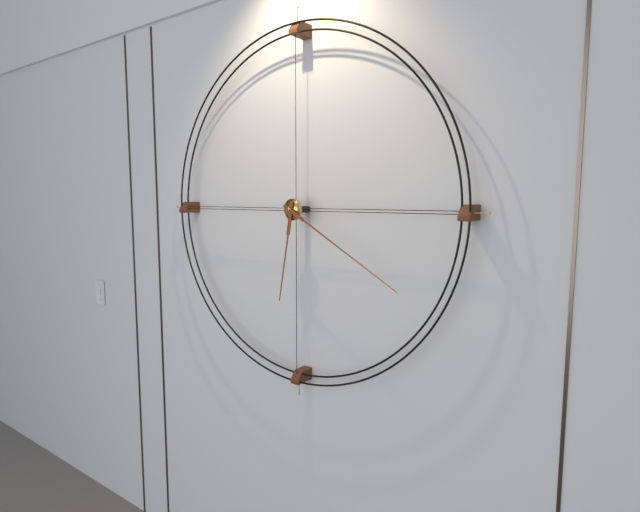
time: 6:20
